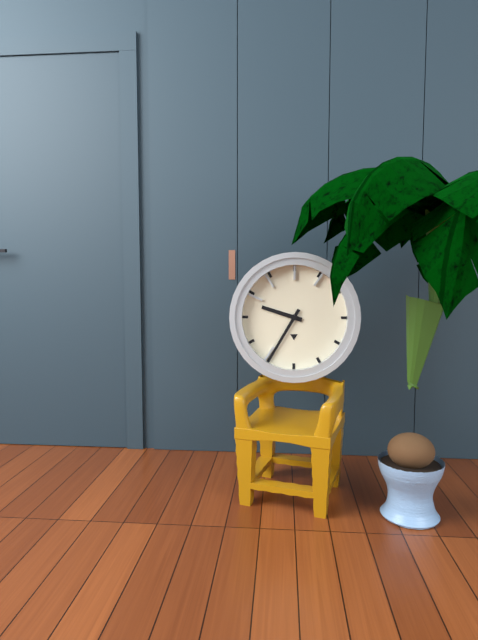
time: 9:35
